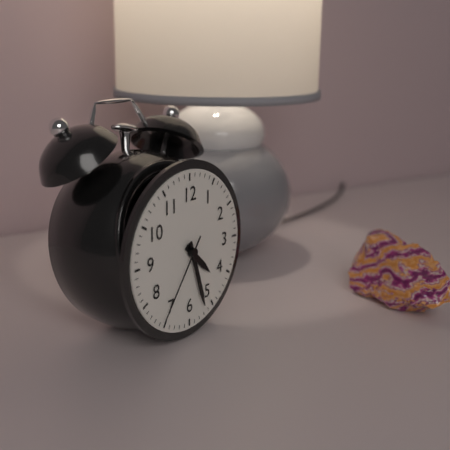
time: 4:27:36
